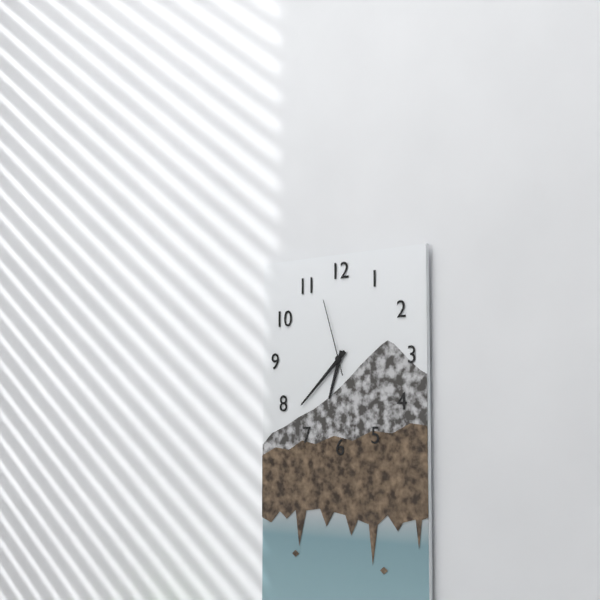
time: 6:38:57
